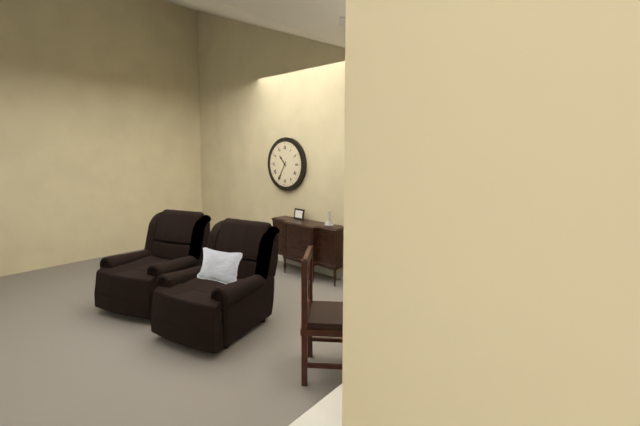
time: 10:35
